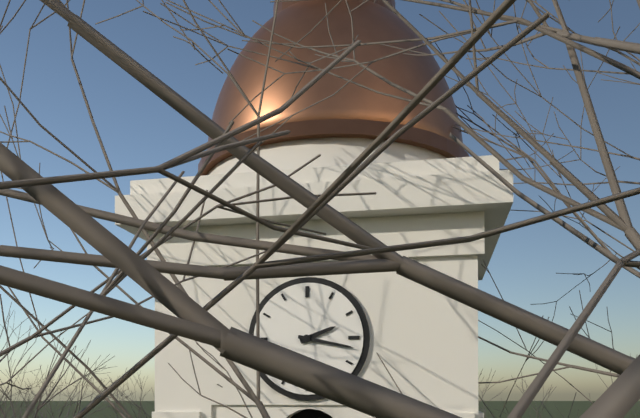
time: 2:17
